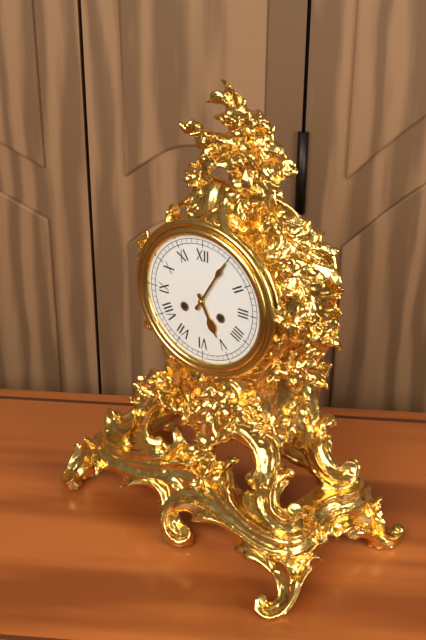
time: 5:05
